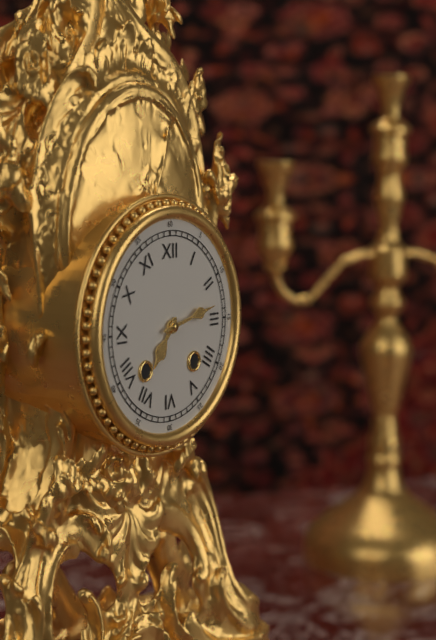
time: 7:13
